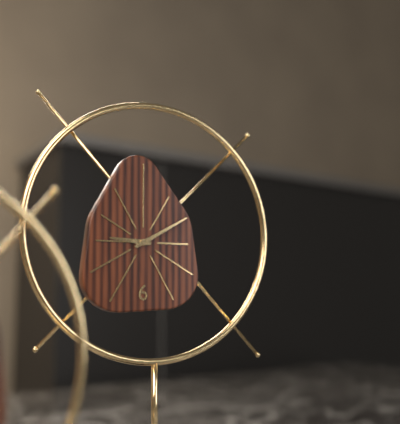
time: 9:10
